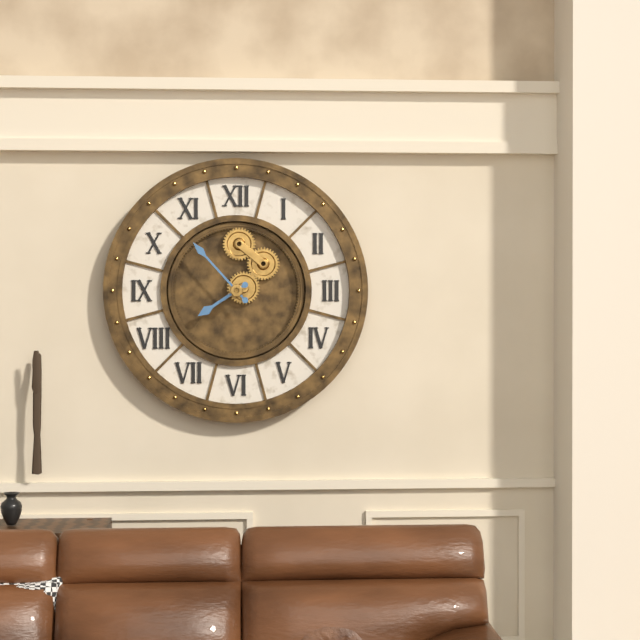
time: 7:53
